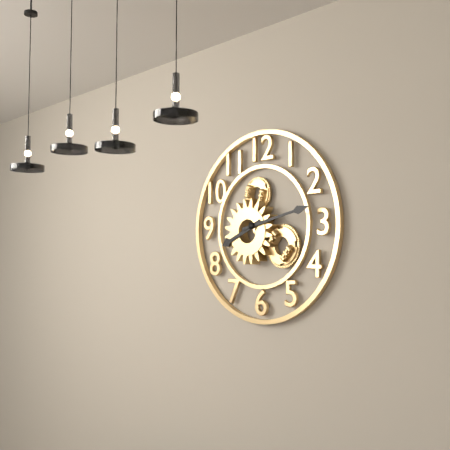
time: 8:13
